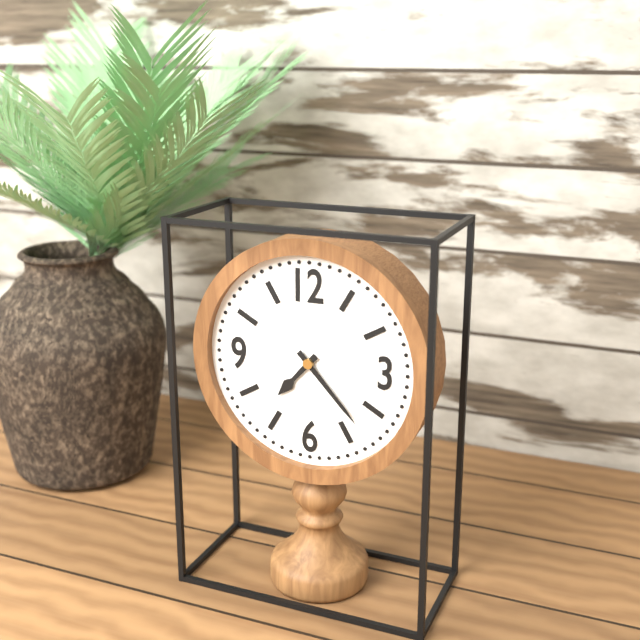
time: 7:23
